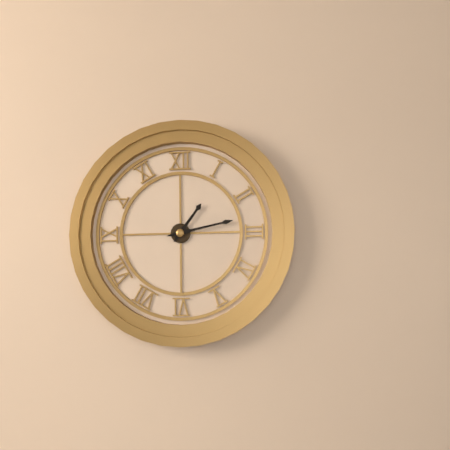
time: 1:13
